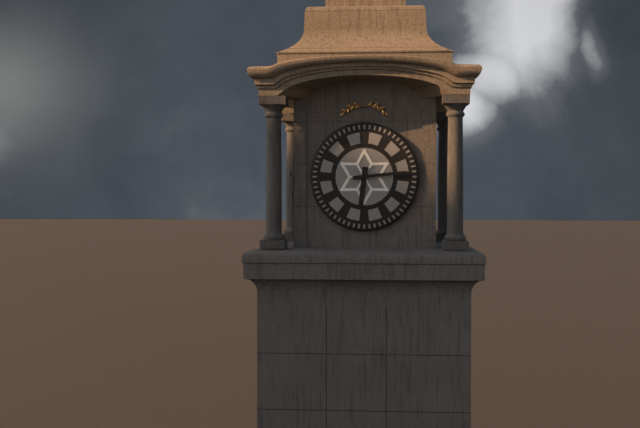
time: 6:14
